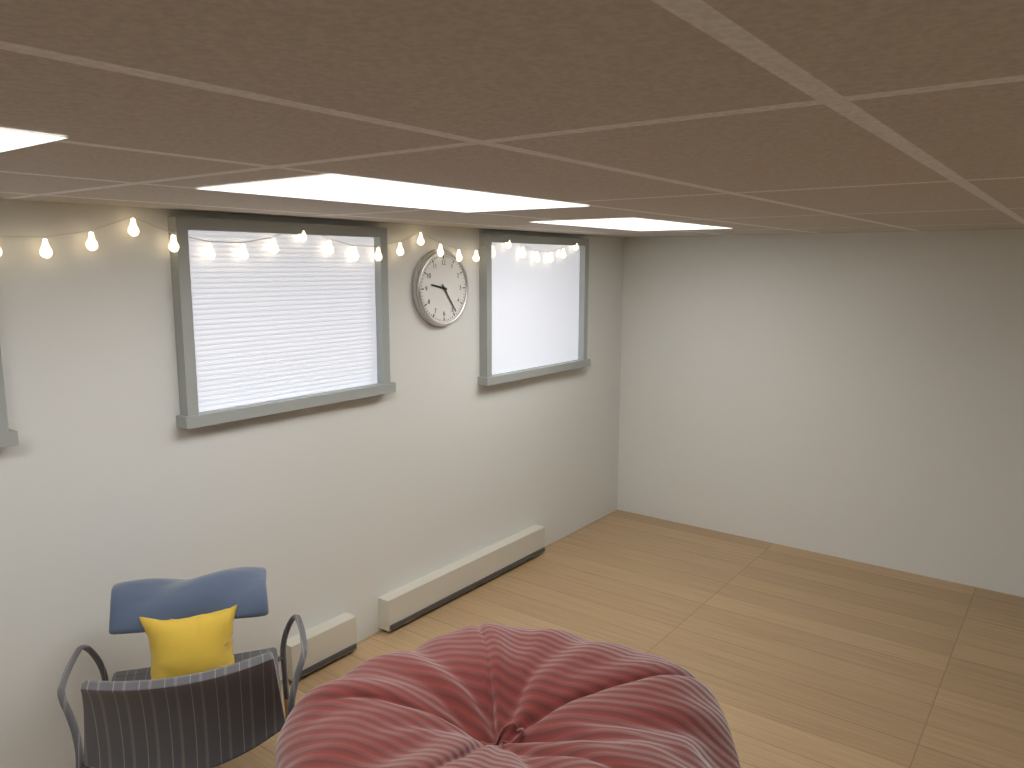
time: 9:24
